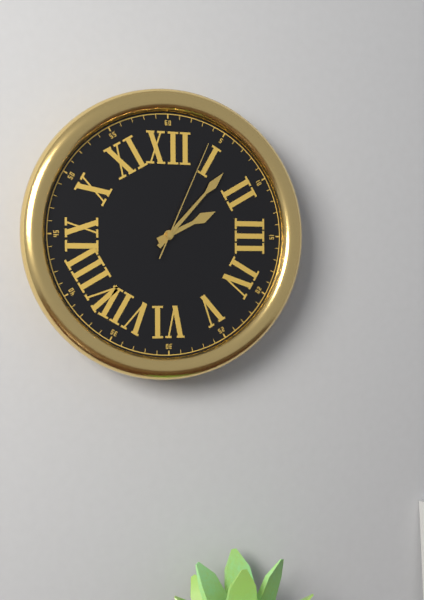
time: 2:07:04
